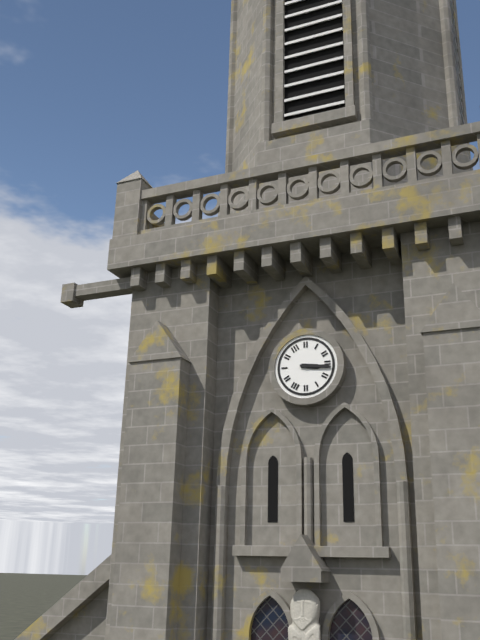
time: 3:16
